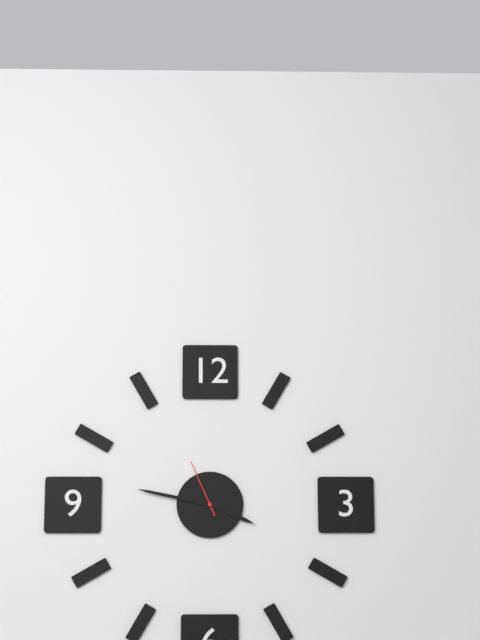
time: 3:47:56
